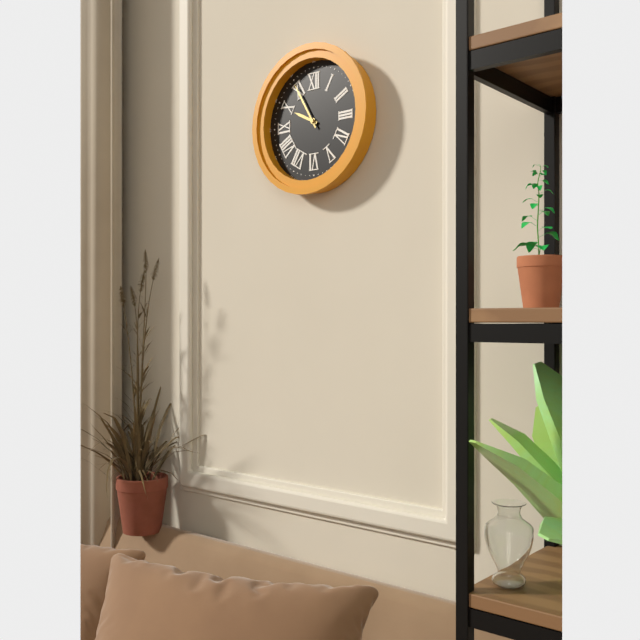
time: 9:55
